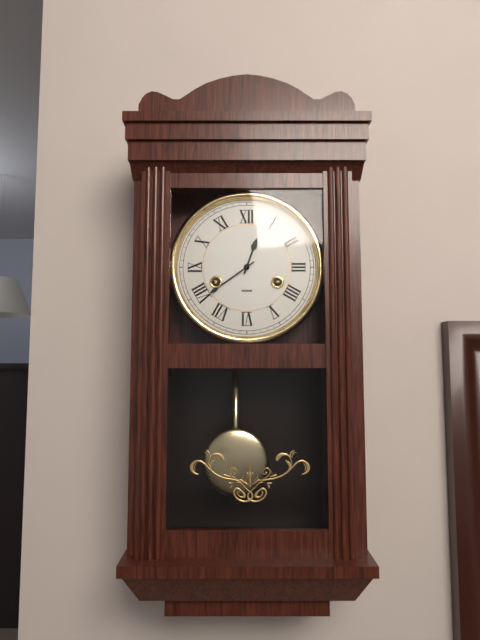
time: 12:39
